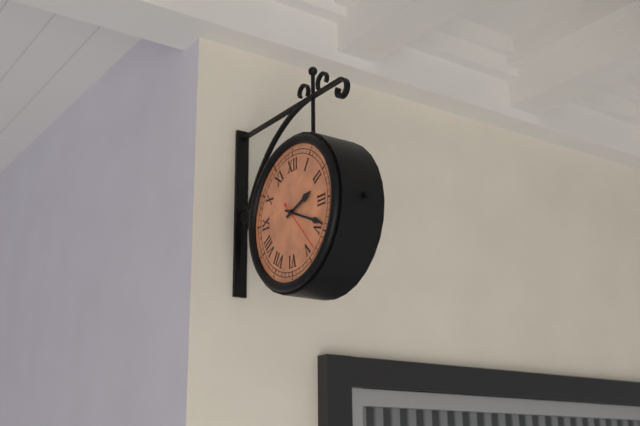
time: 2:19:23
